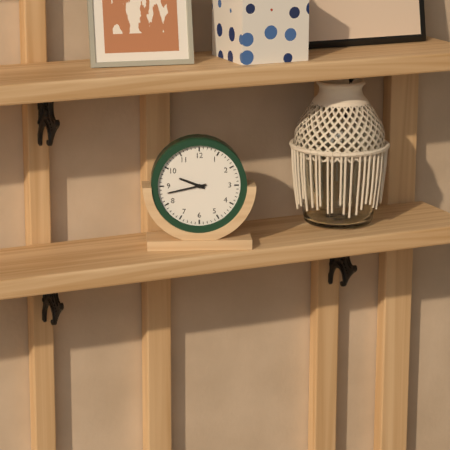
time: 9:43
